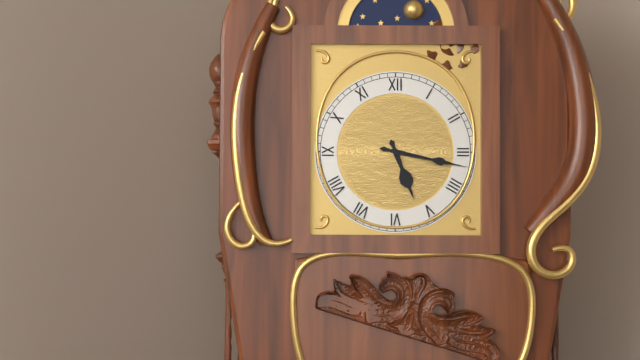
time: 5:17
